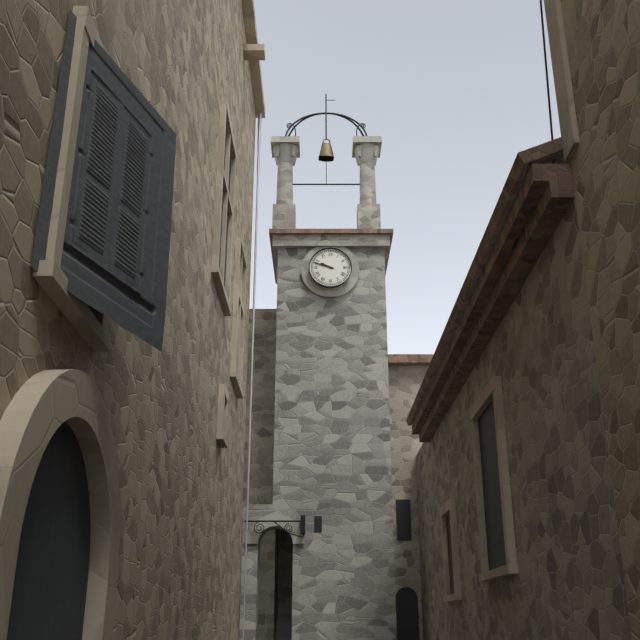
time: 9:48
